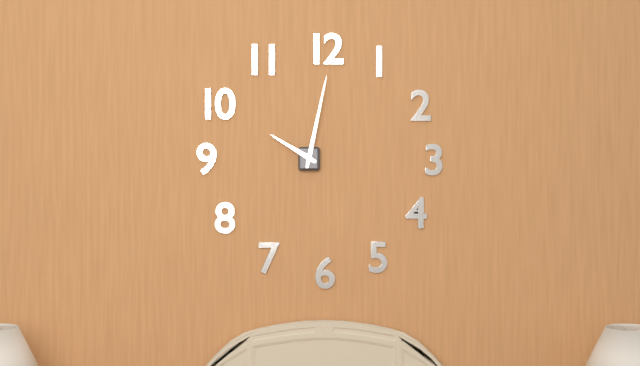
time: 10:02
